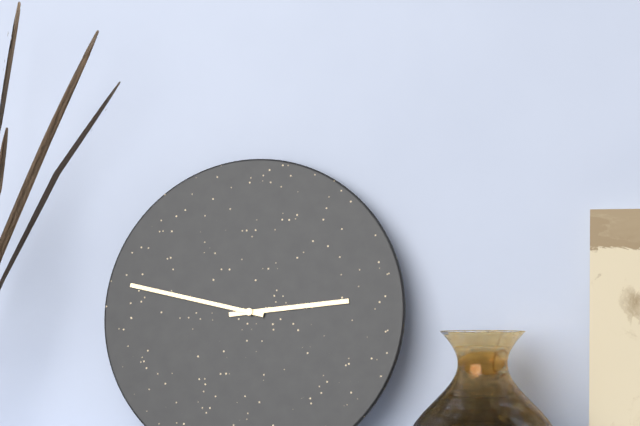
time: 2:47
